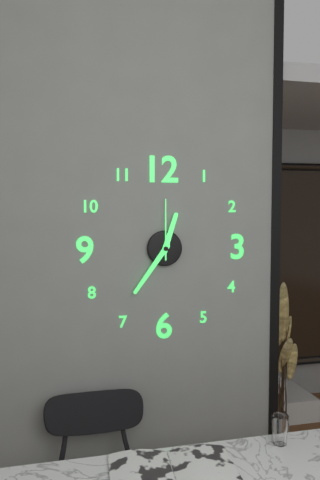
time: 12:36:00
